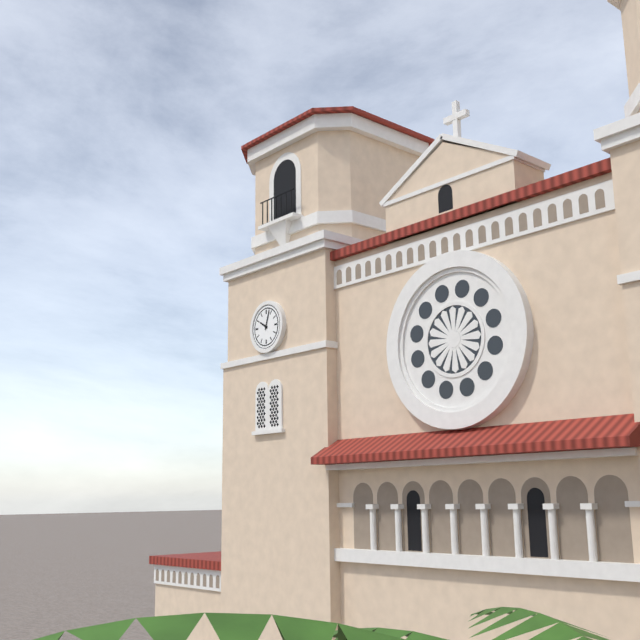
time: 10:03
